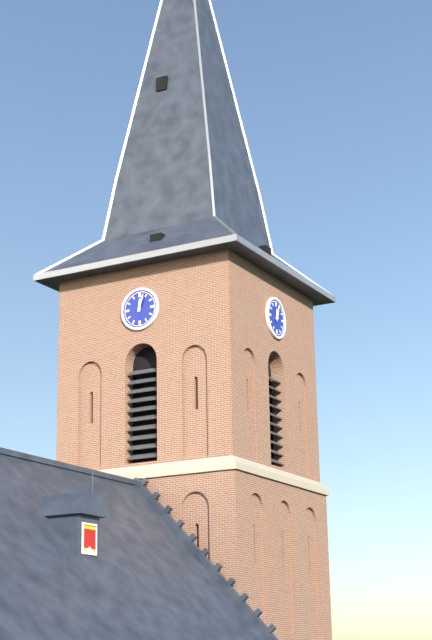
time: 12:03
